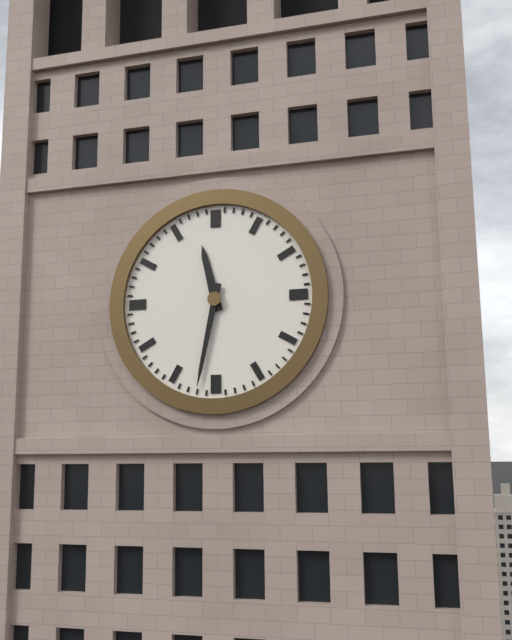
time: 11:32
